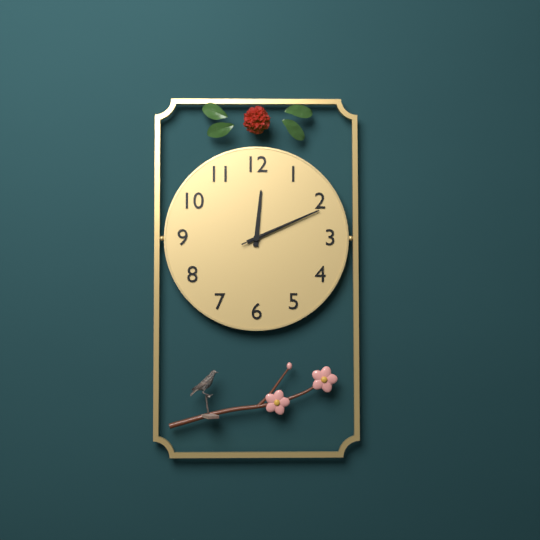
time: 12:11:11
